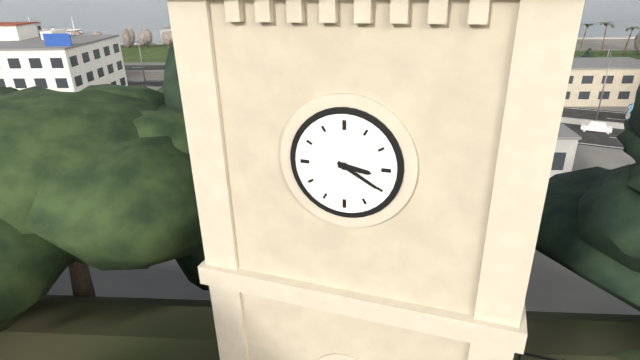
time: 3:20
